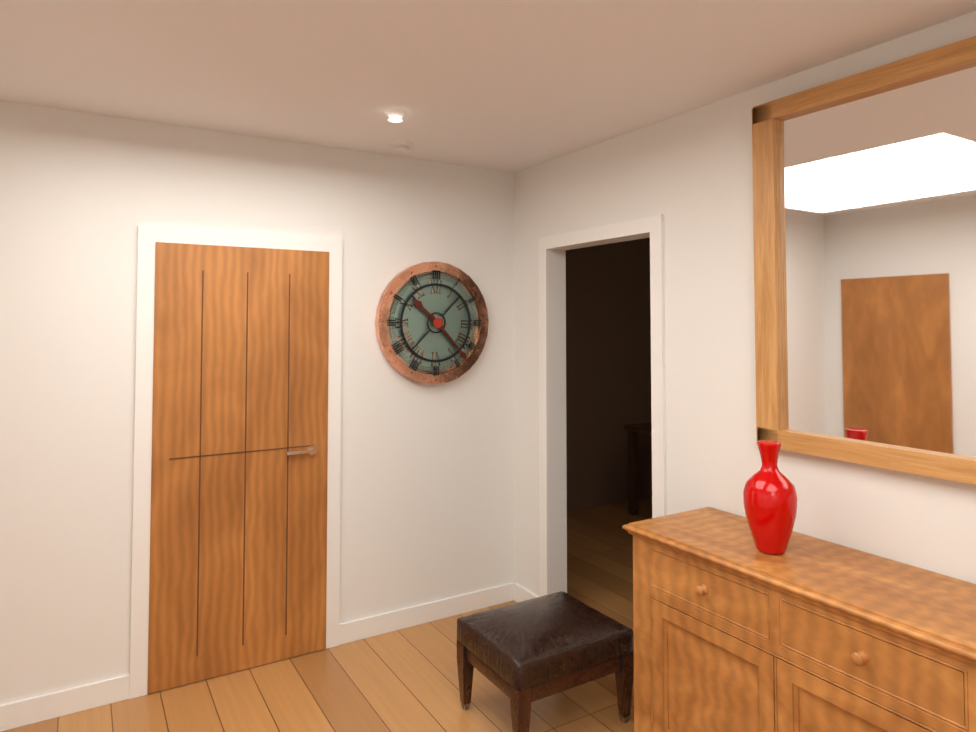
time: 10:23
